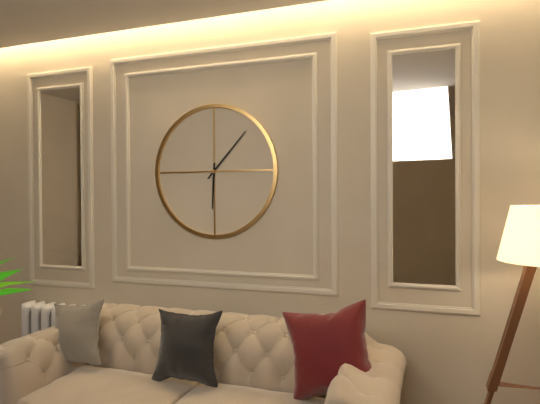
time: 6:07
